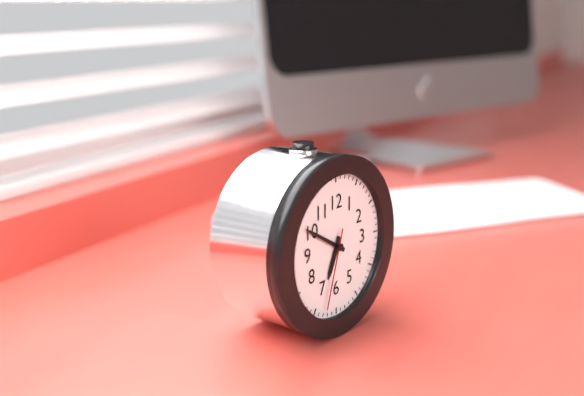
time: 6:50:33
